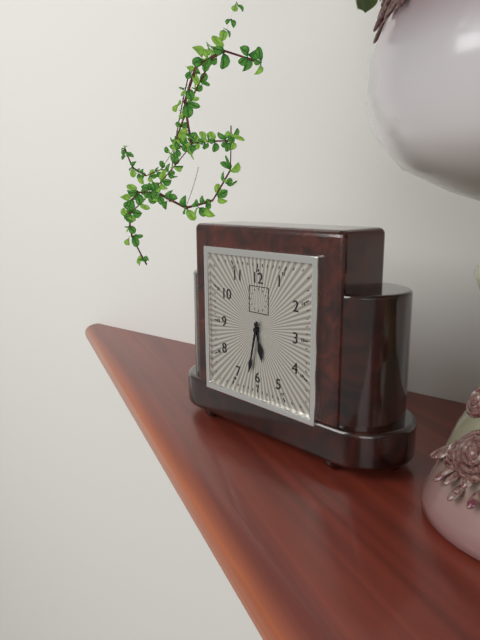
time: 5:32
